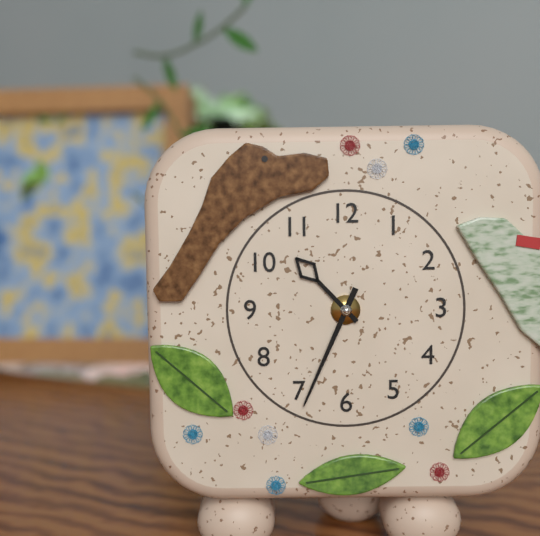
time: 10:34
